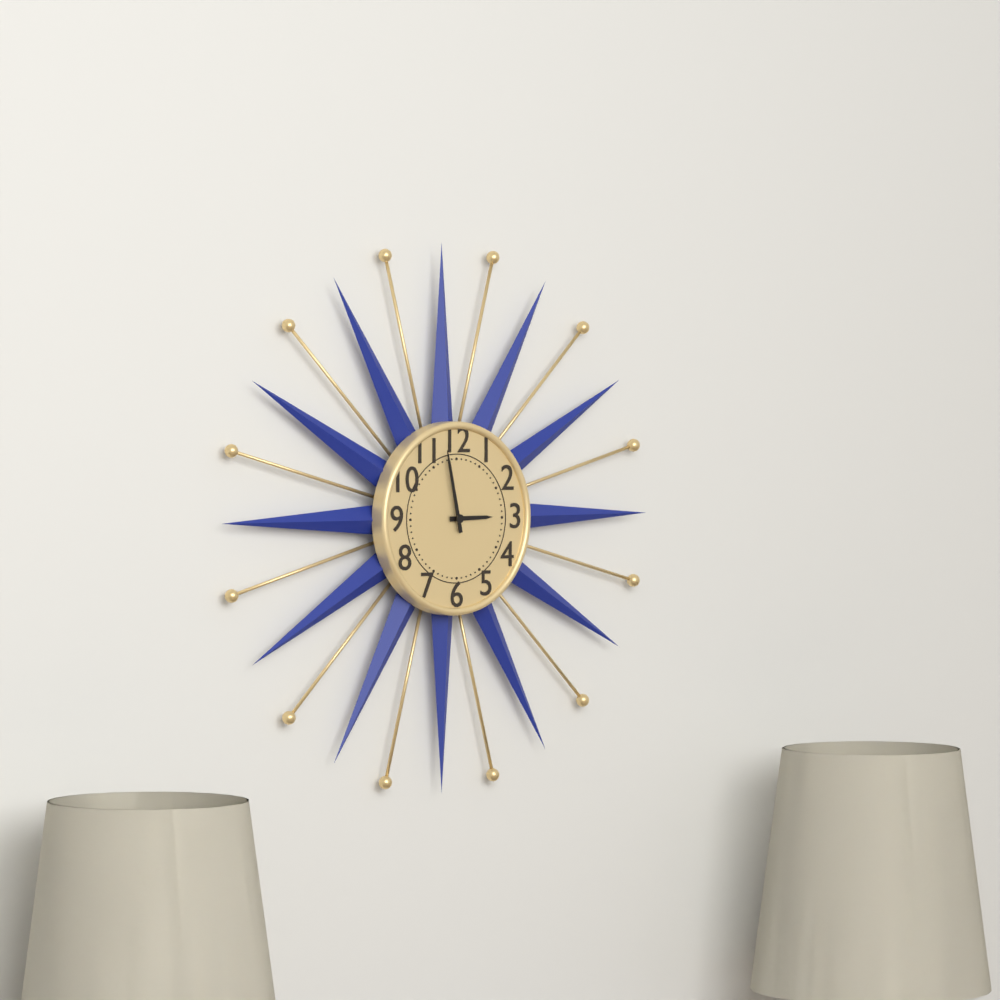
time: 2:58
